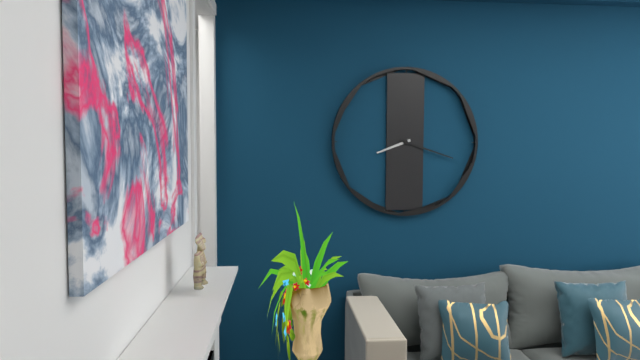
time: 8:18
